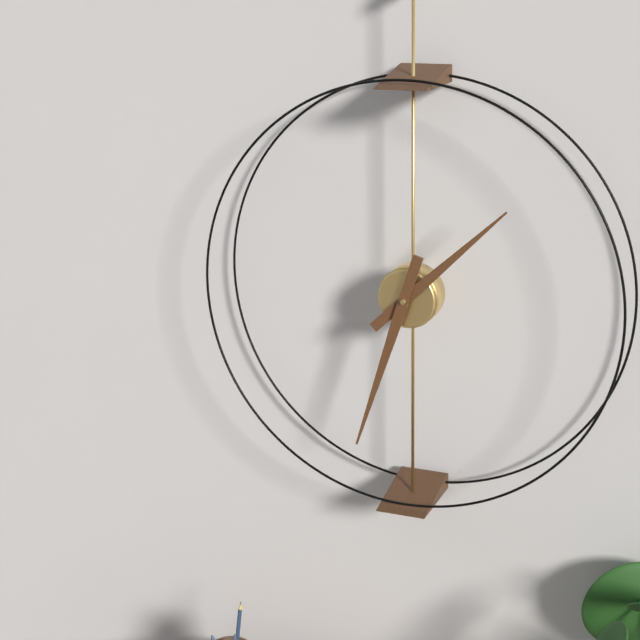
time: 1:33
